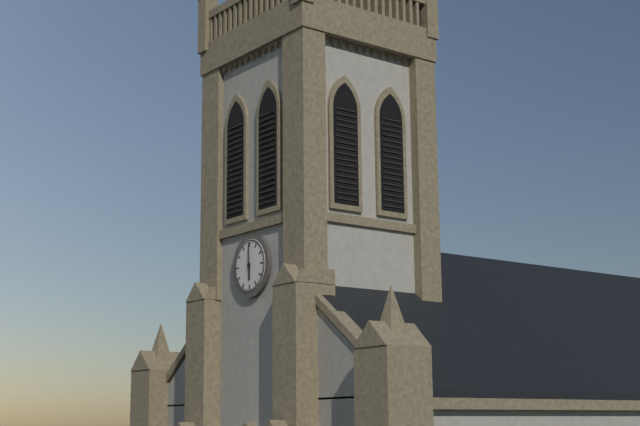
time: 6:00
